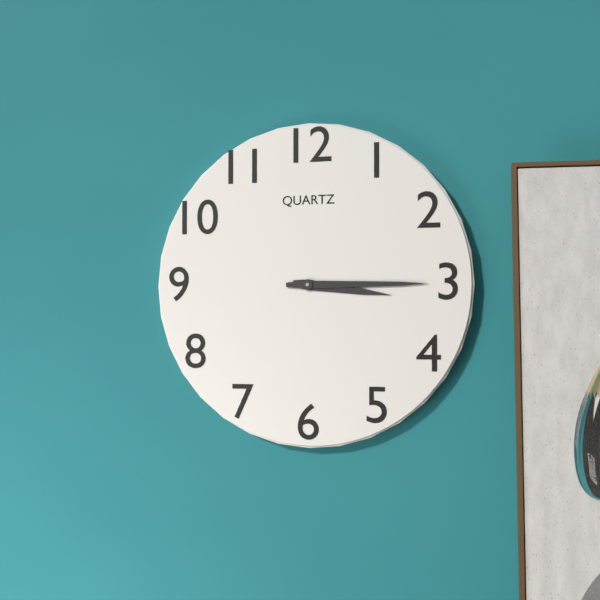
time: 3:15
